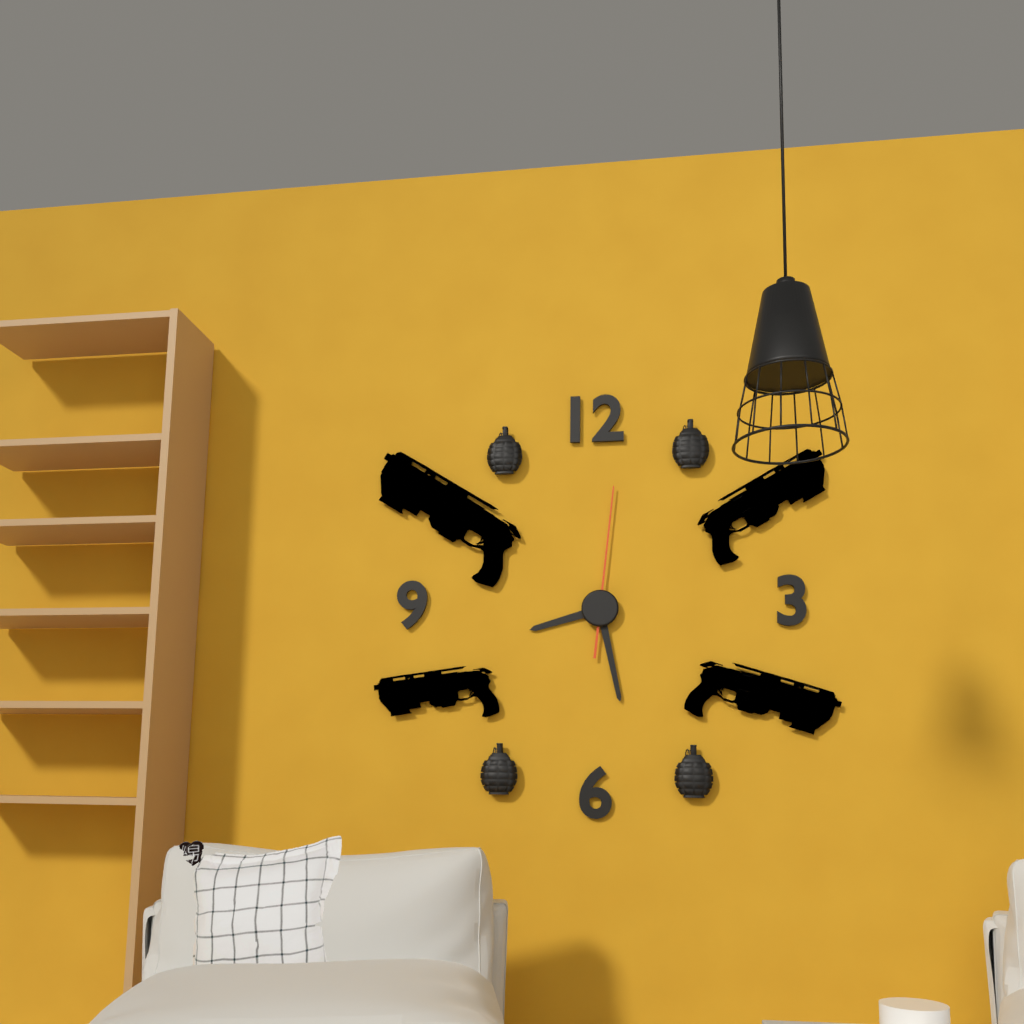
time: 8:28:01
